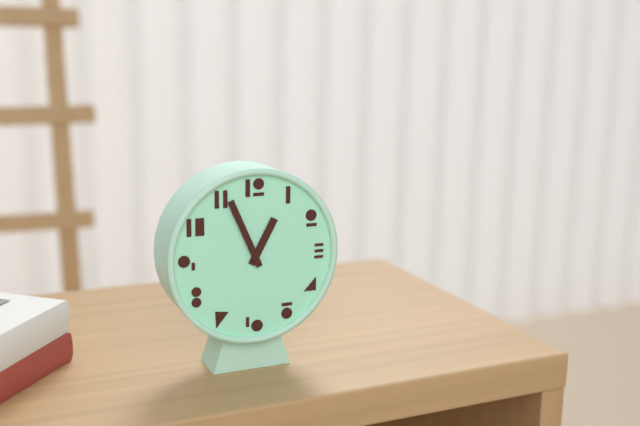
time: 12:56
